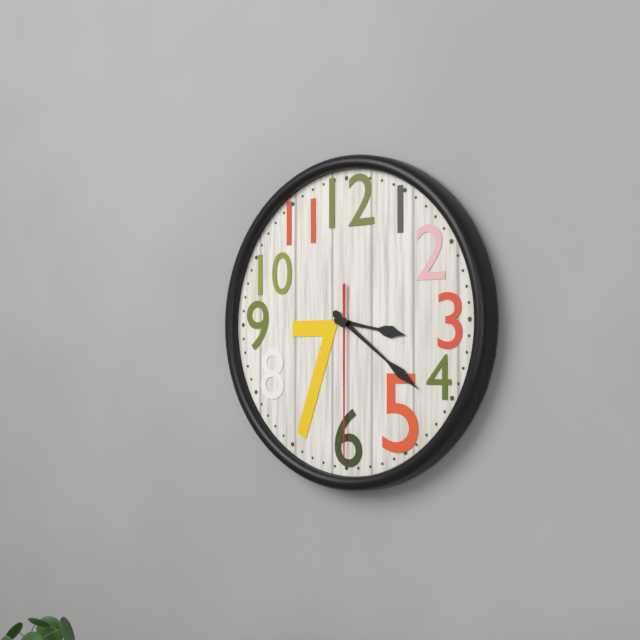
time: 3:21:30
